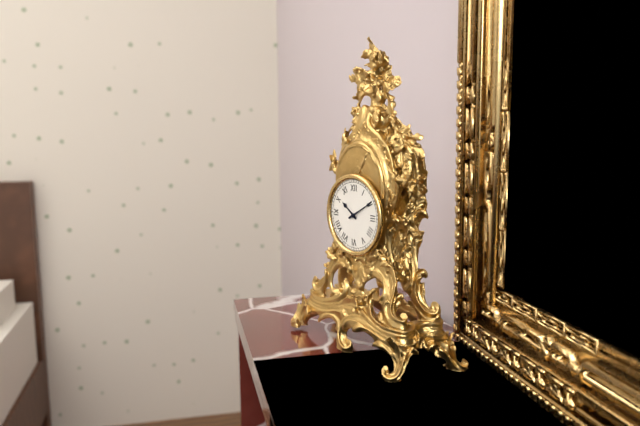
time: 10:10
